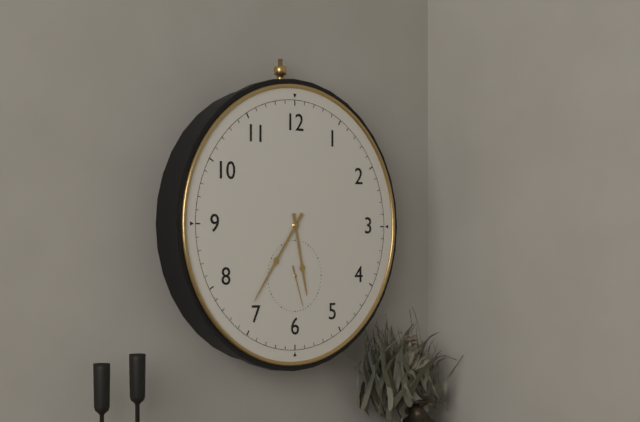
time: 5:36
